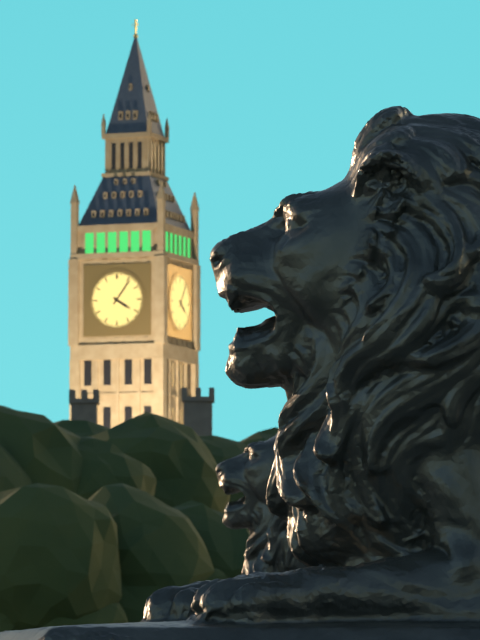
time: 4:06
